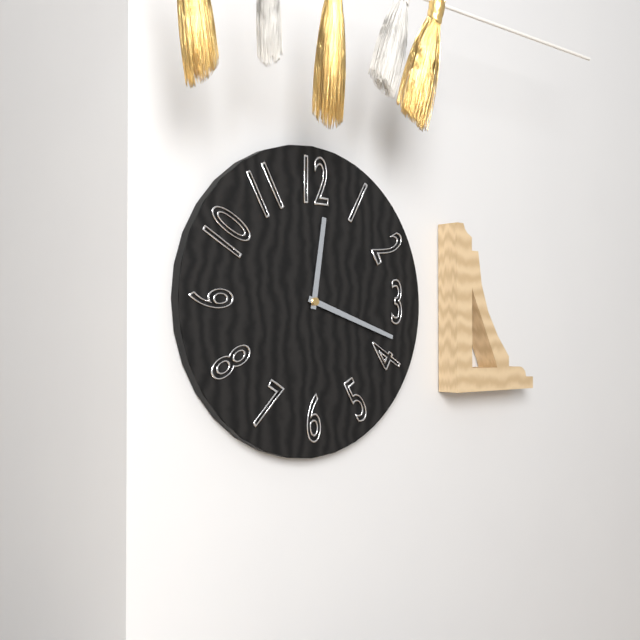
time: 12:18
